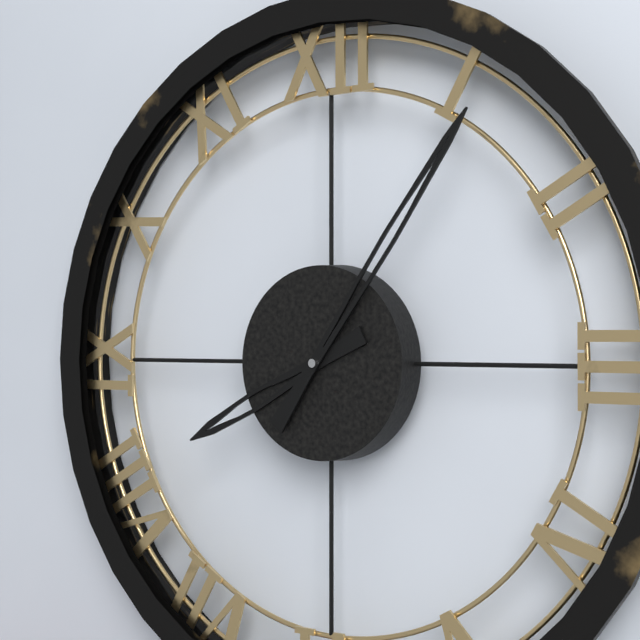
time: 8:06
